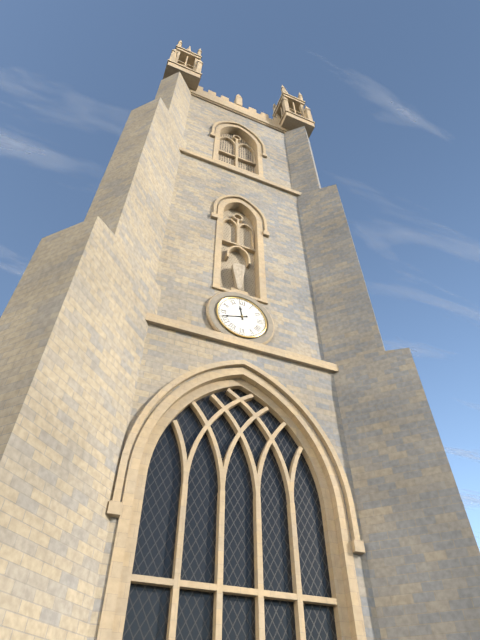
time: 11:42
